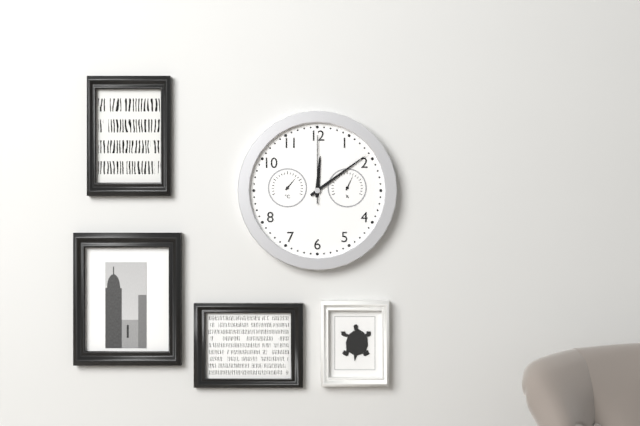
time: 12:09:00
